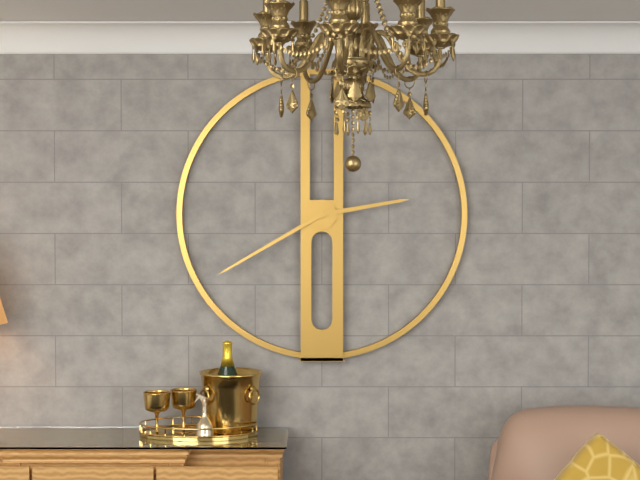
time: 2:40
